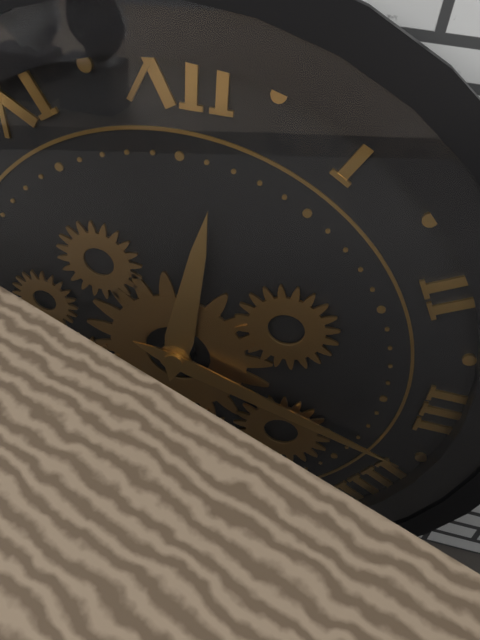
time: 12:18
